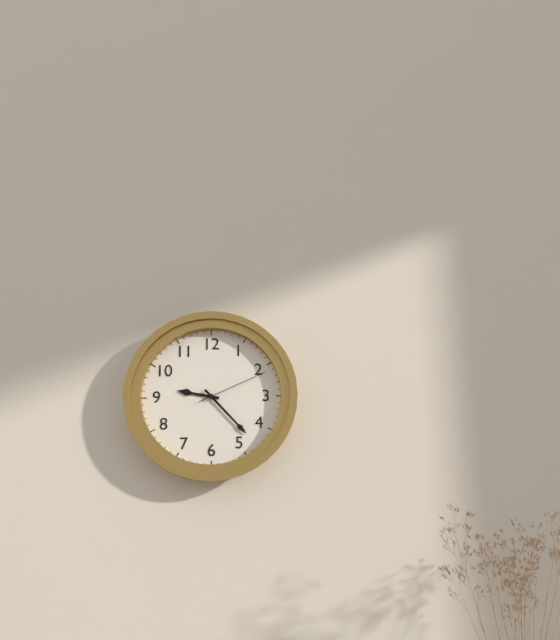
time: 9:23:11
